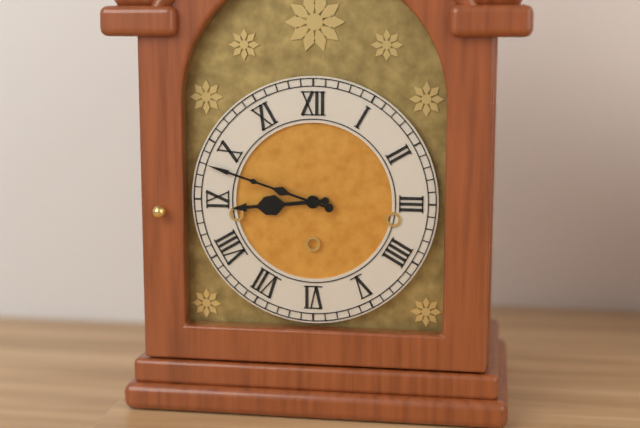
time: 8:48
